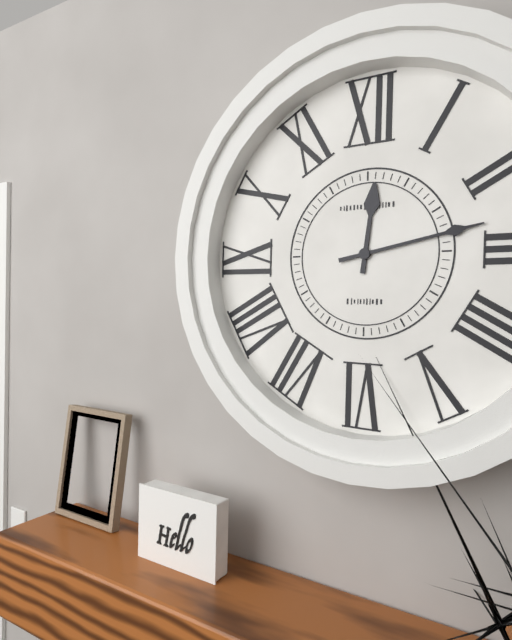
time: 12:13
